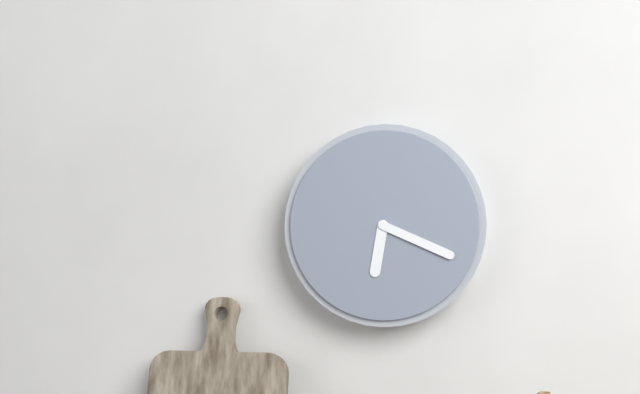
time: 6:19
